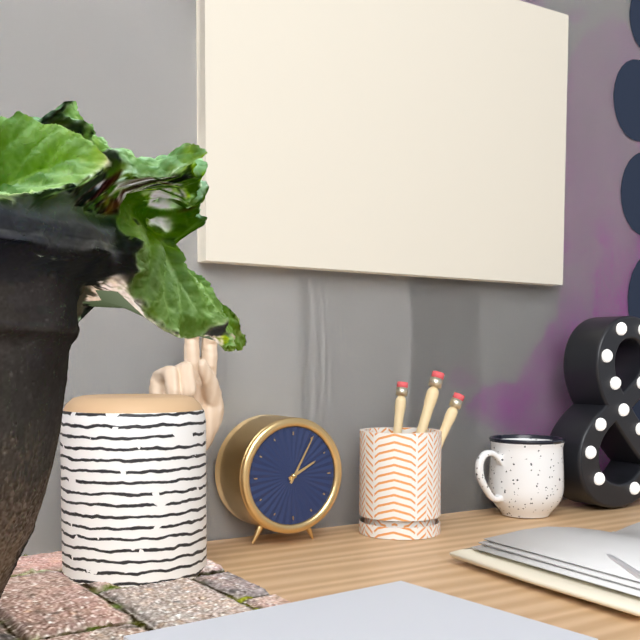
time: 2:05
